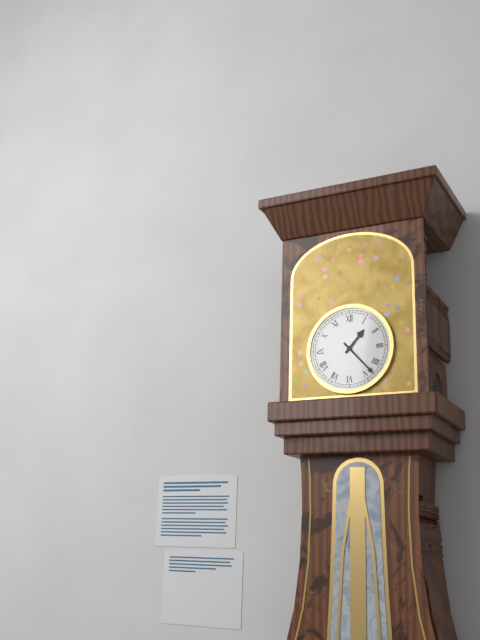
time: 1:23
